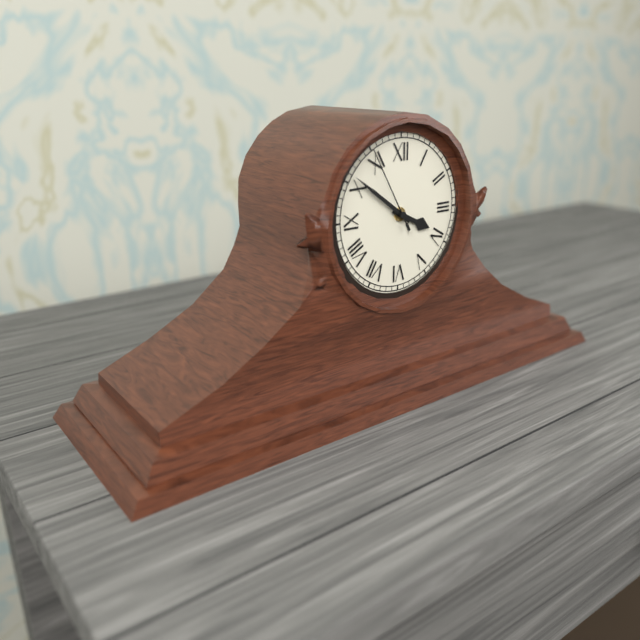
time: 3:51:55
